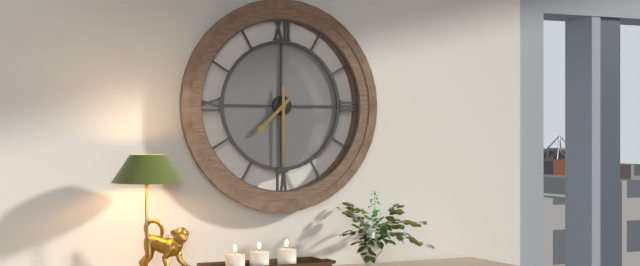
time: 7:30
